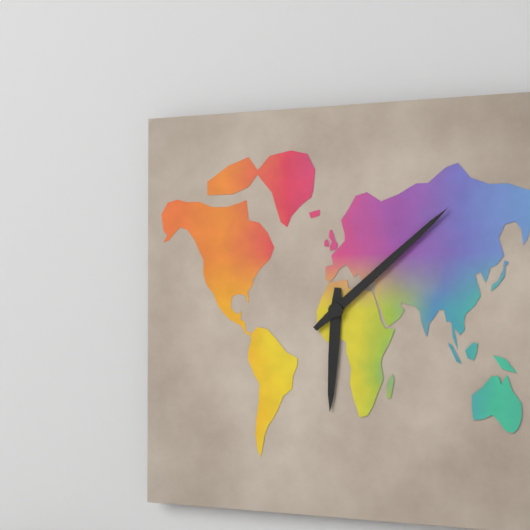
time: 6:08
